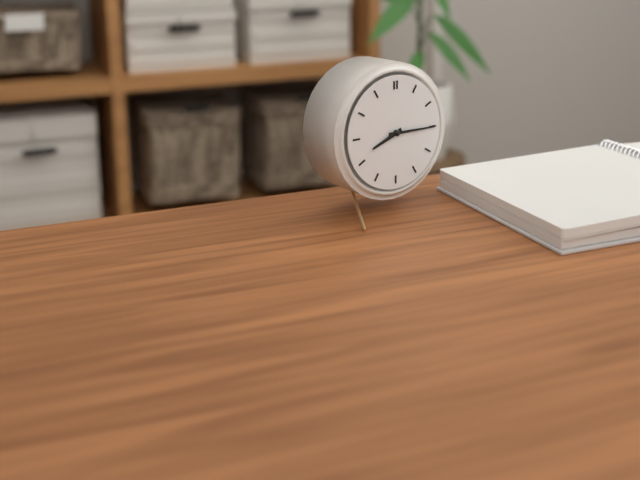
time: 8:15
